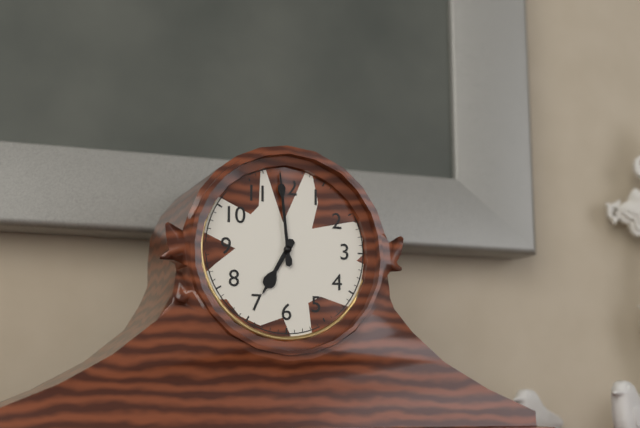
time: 6:59
